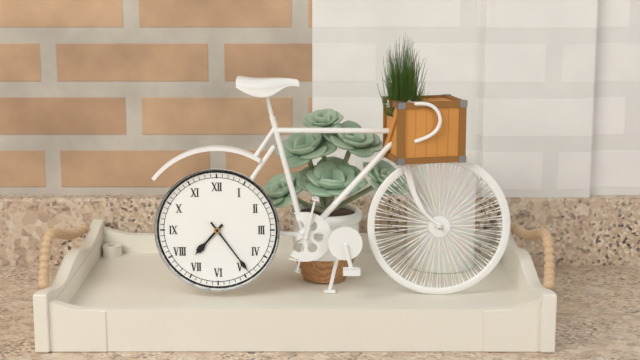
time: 7:24
